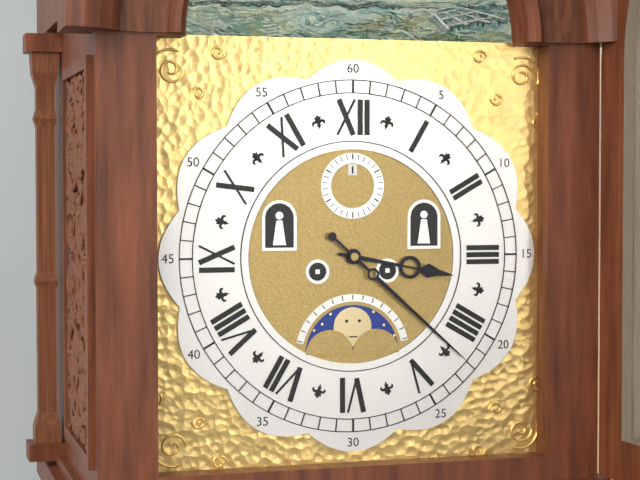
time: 3:22
